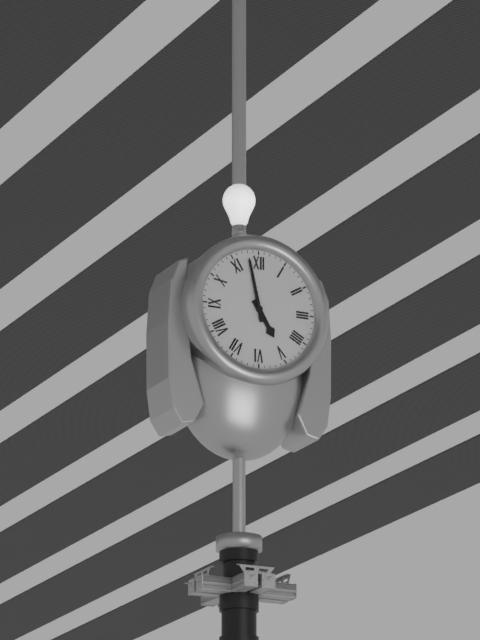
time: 4:58
